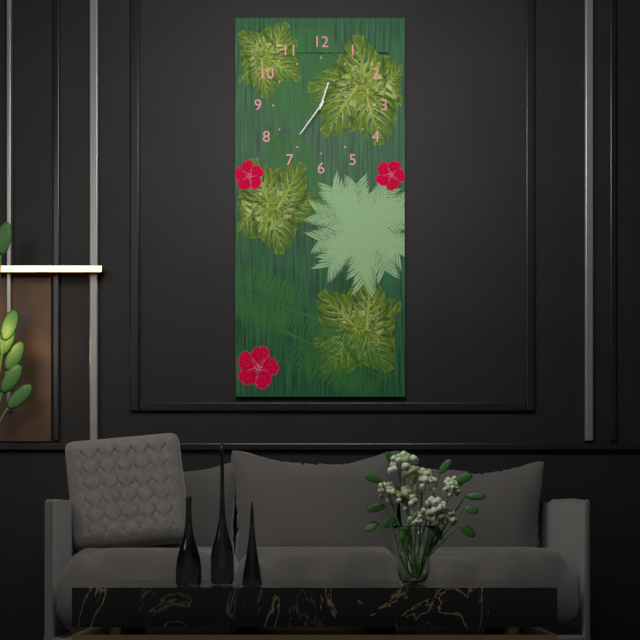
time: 12:36
